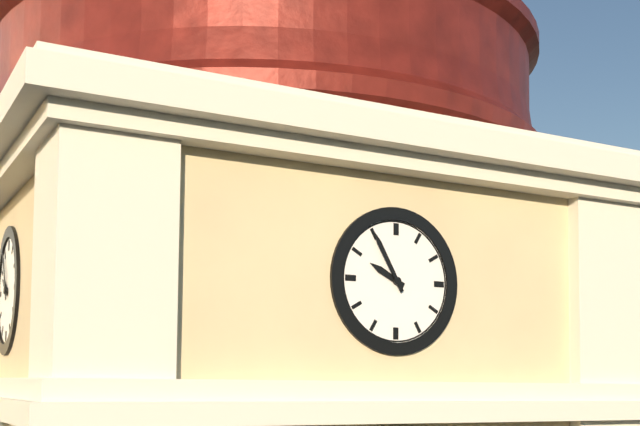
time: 9:55
